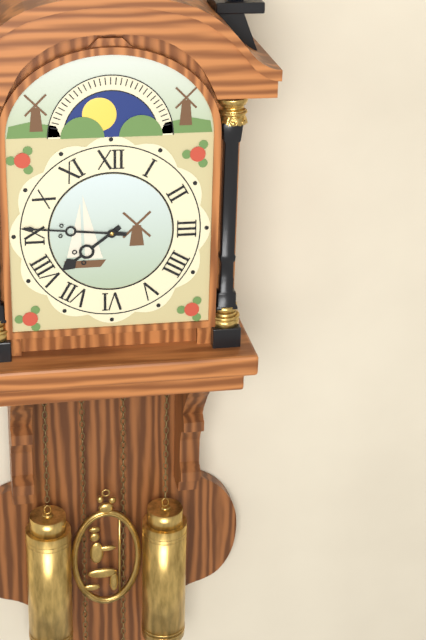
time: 7:46
